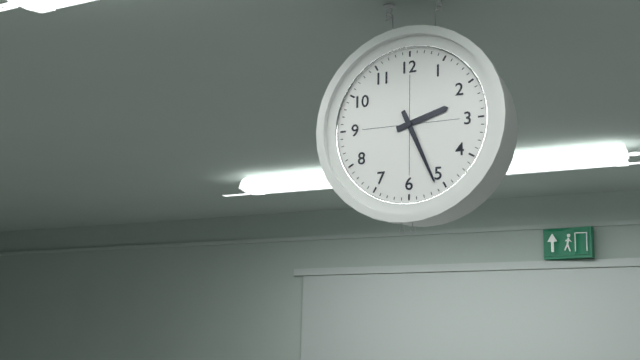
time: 2:26
